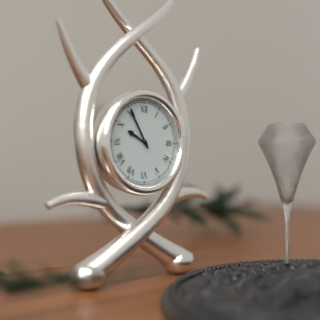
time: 9:55
